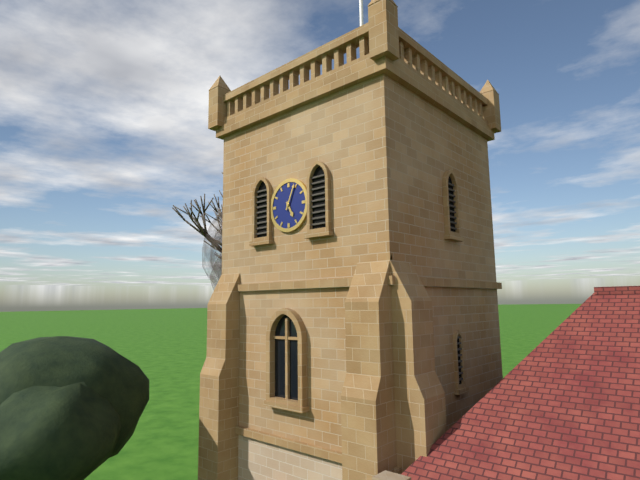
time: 5:04
